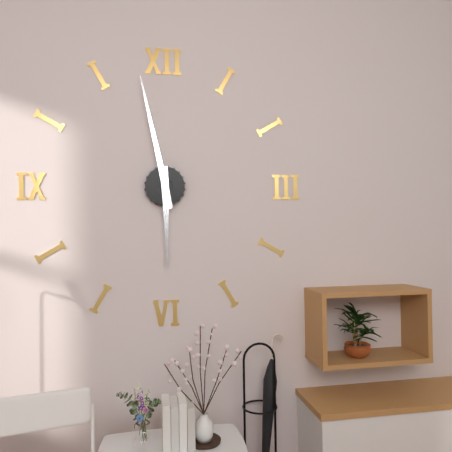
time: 5:58
